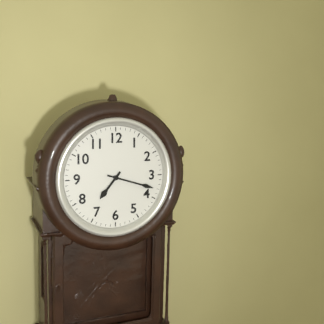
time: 7:18
